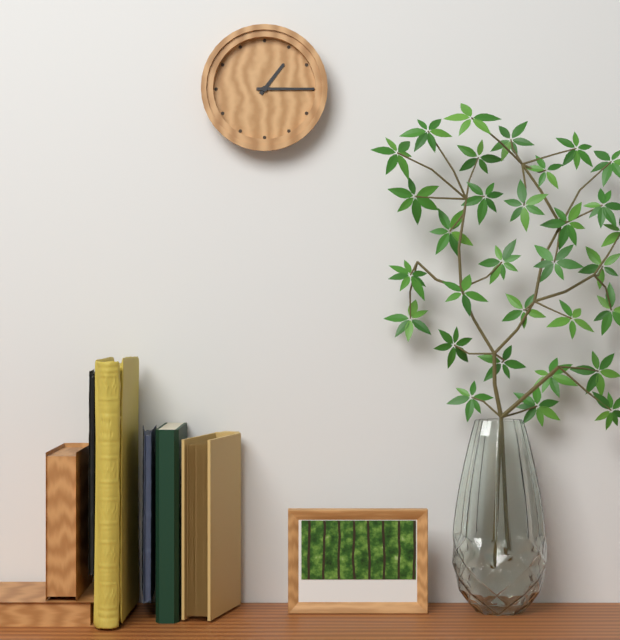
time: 1:15
